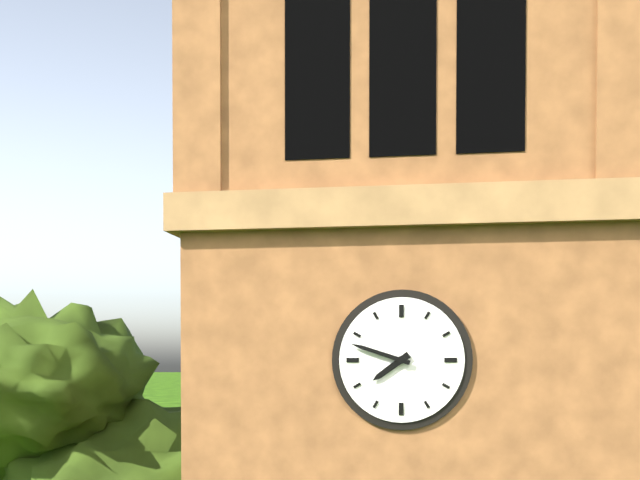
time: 7:48
